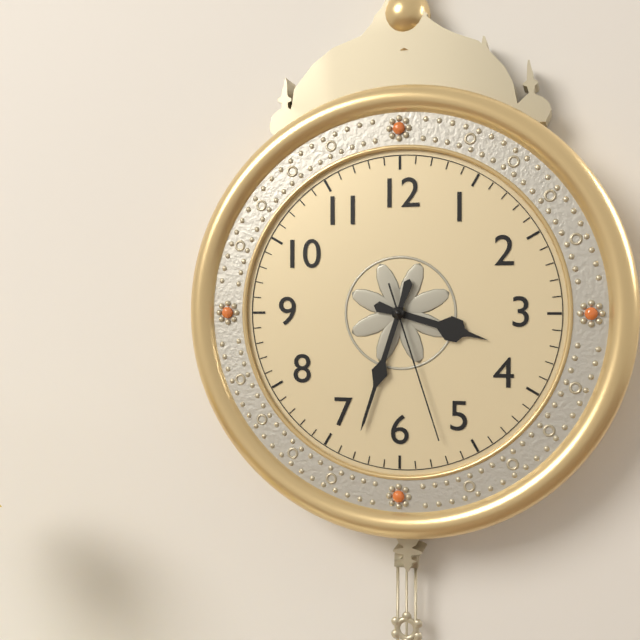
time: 3:33:27
